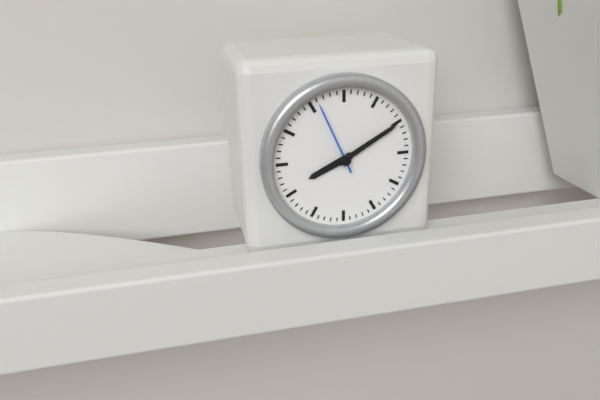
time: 8:10:56
